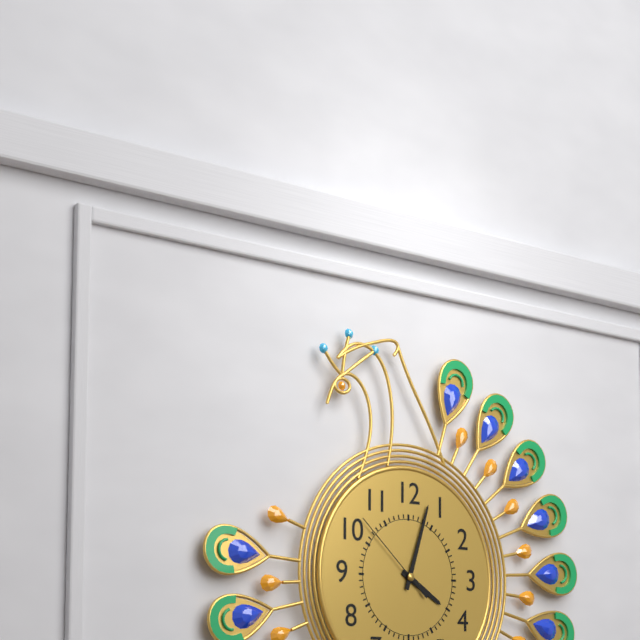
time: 4:03:52
